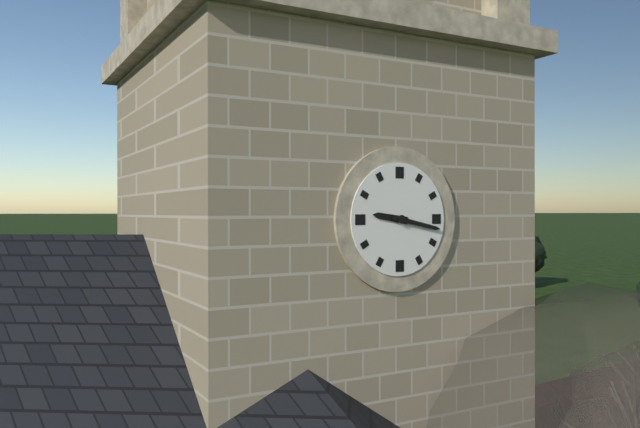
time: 9:17
